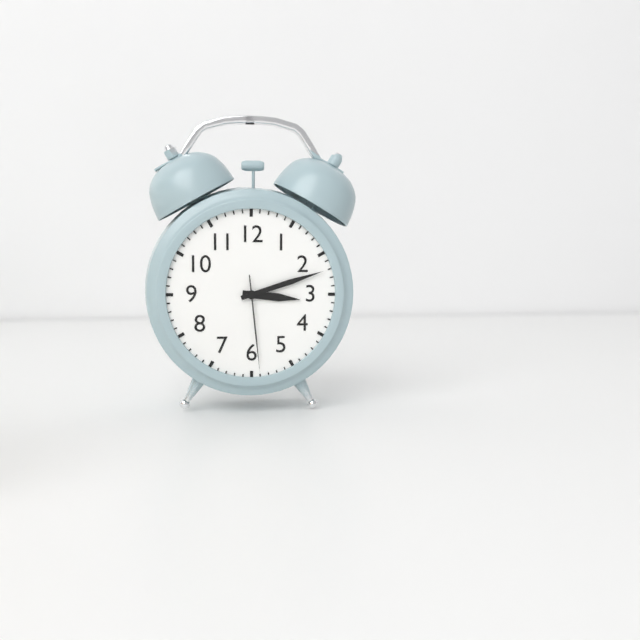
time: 3:12:29
